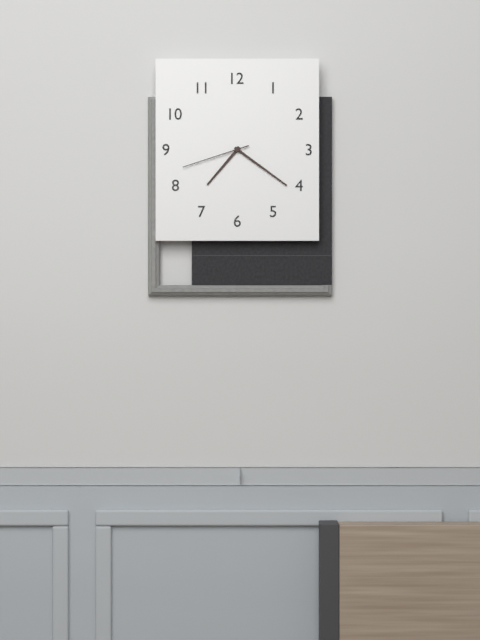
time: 7:21:42
